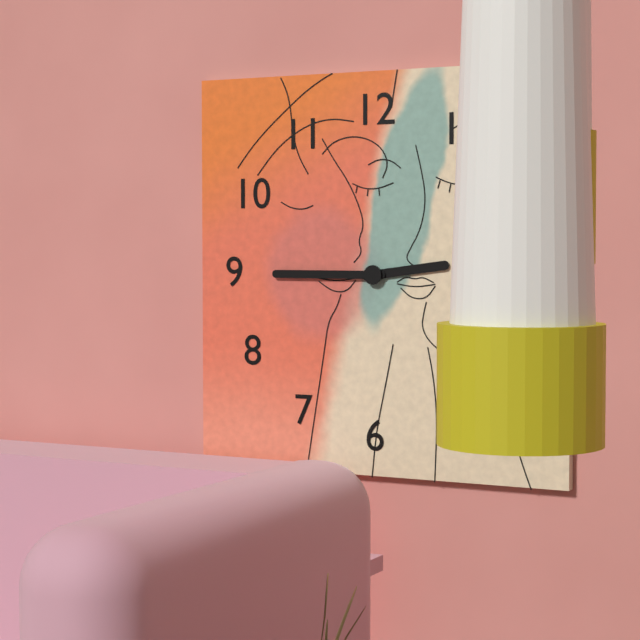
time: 2:45
